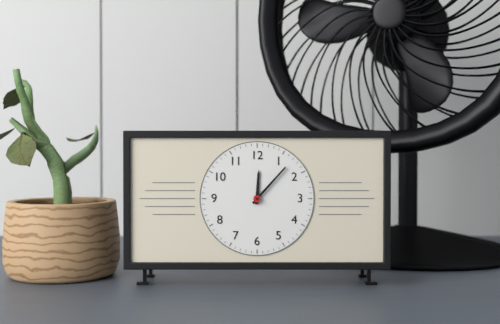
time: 12:07
